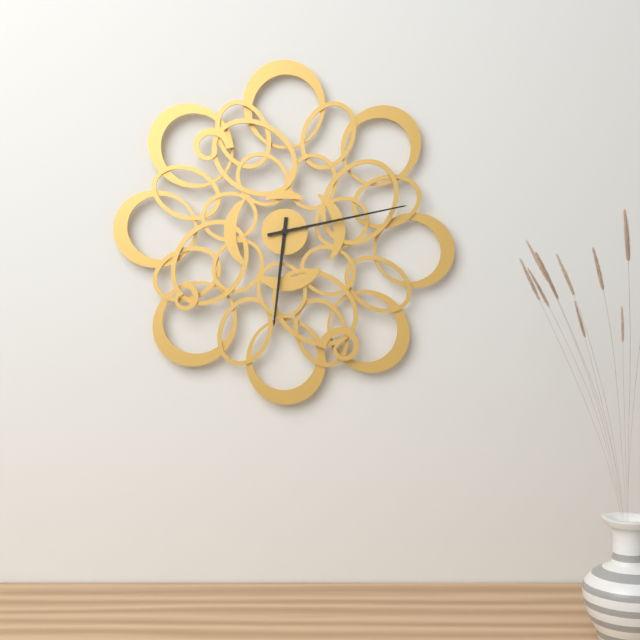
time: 6:13
